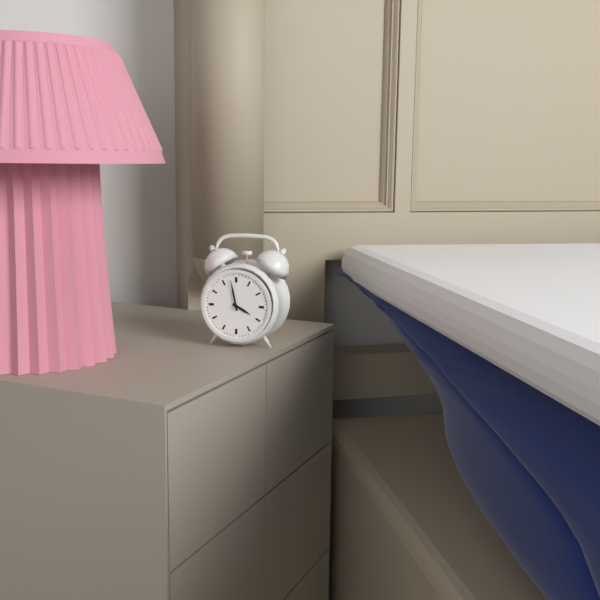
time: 3:58
